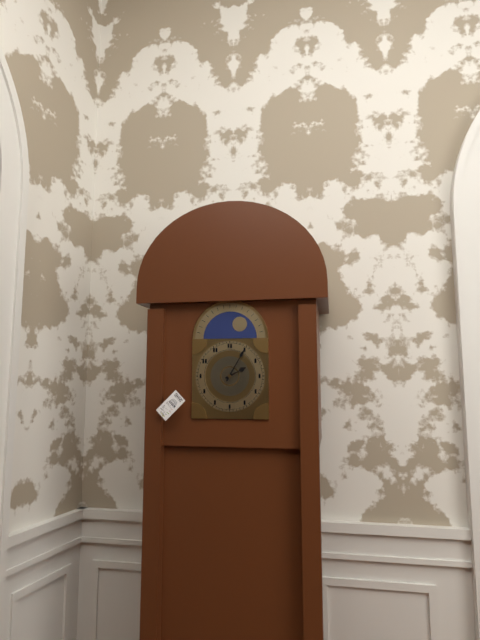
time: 2:05
